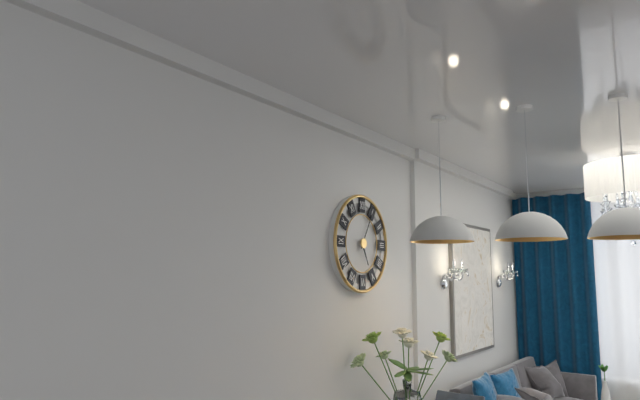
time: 5:05
